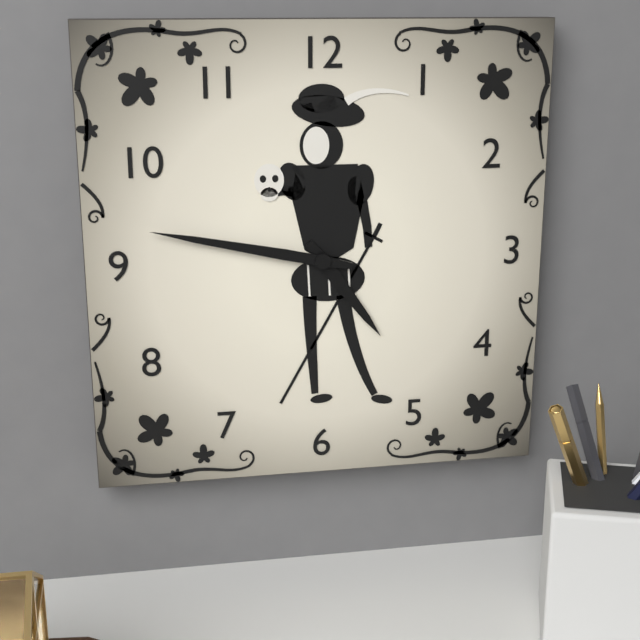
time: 4:47
